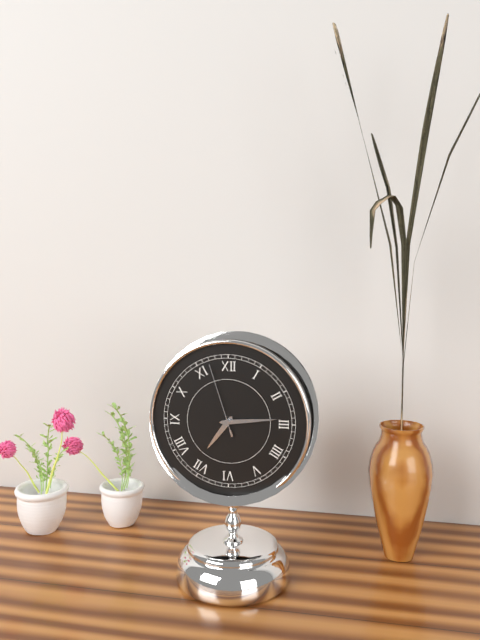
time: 7:14:57
